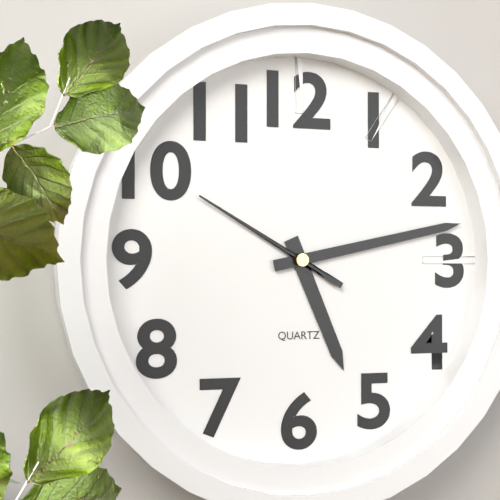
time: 5:13:50
